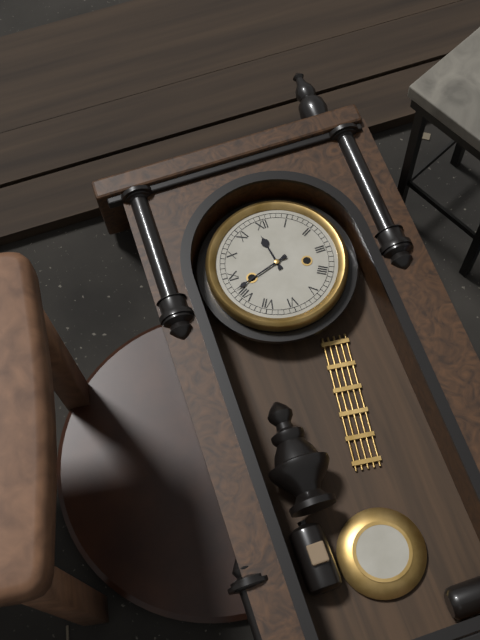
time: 11:42
